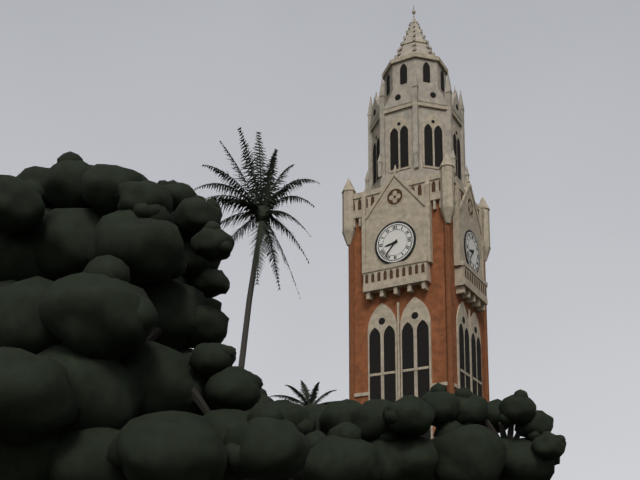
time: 8:37
